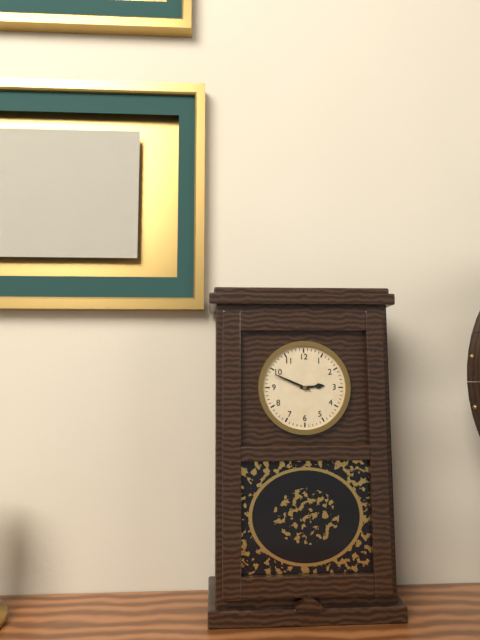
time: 2:49
